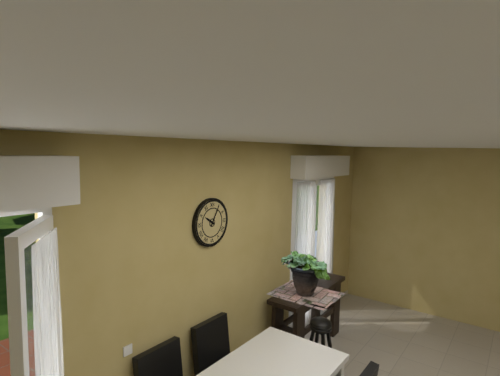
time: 10:05
